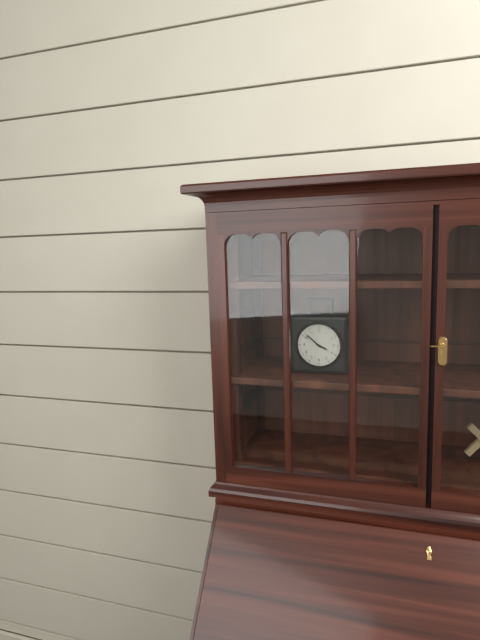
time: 3:52
